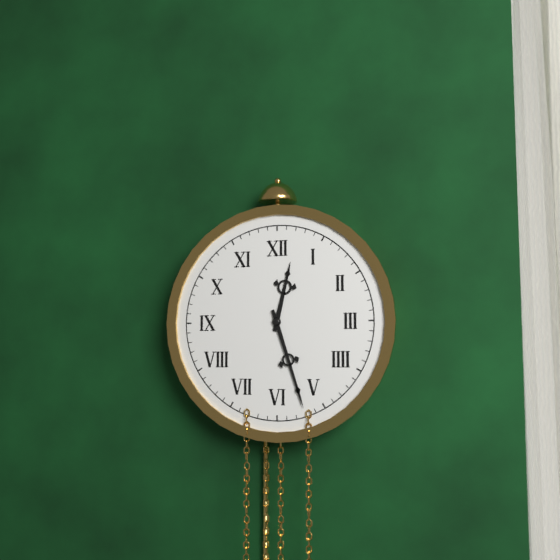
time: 12:27
